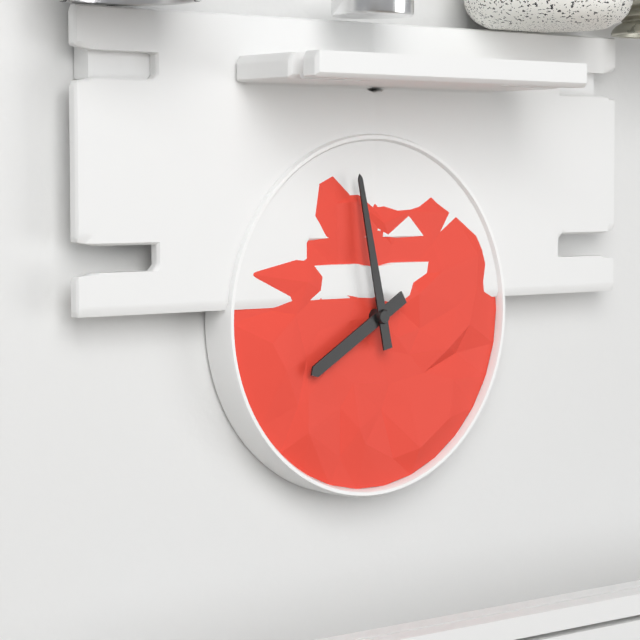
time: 7:58
